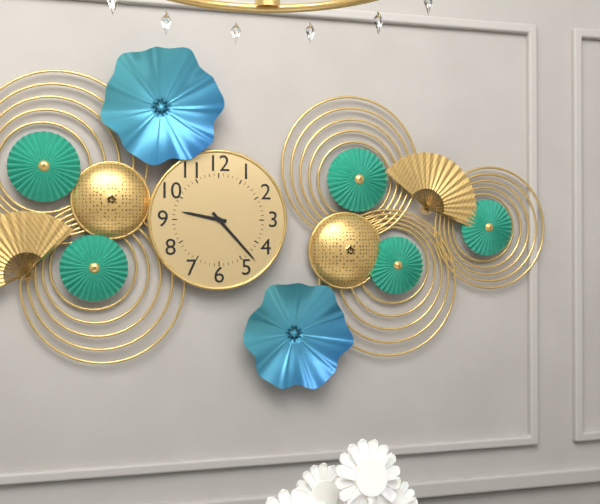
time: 9:23
